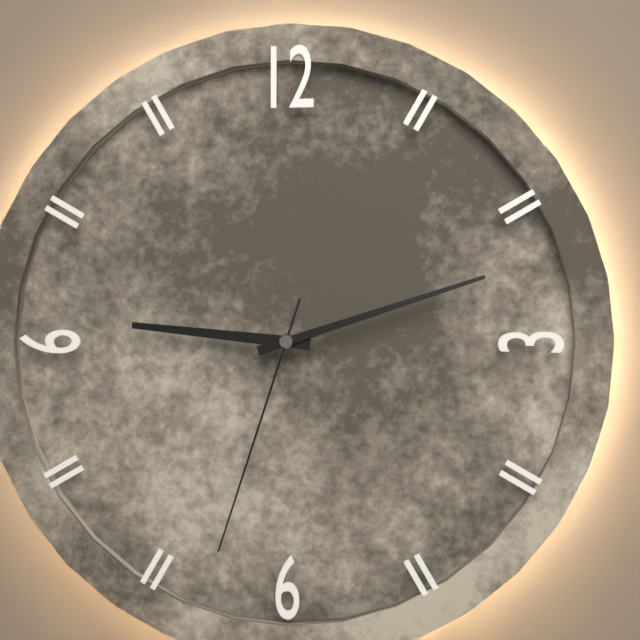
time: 9:12:33
